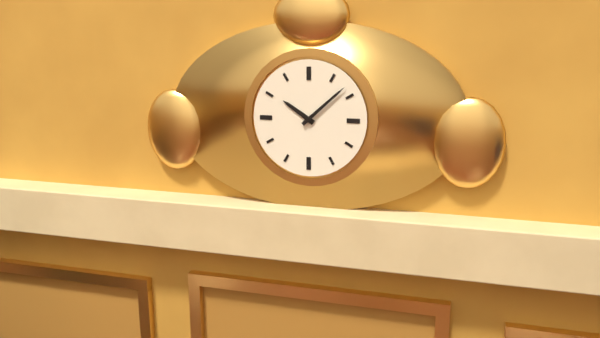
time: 10:08
